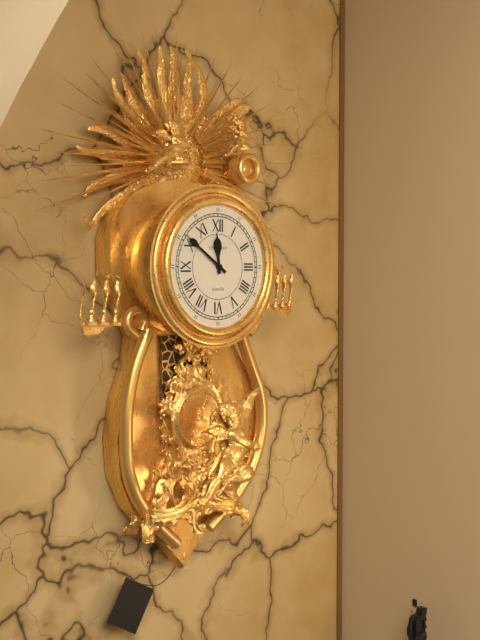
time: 11:51
